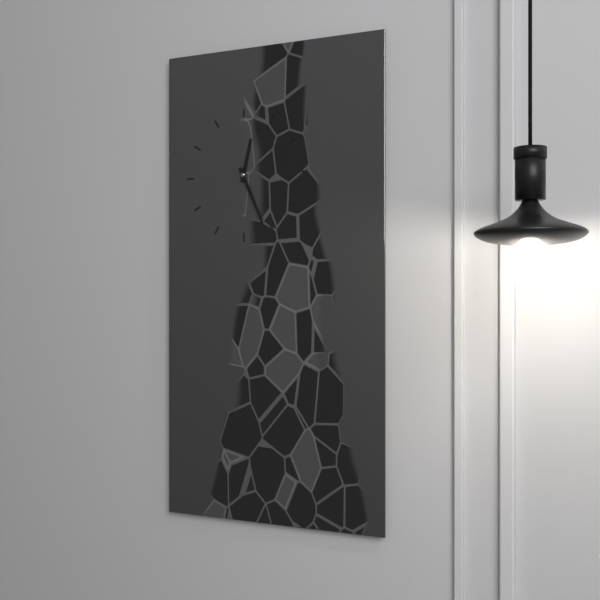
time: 12:26
